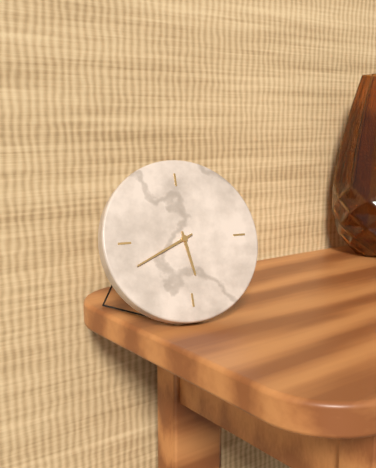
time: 5:41
